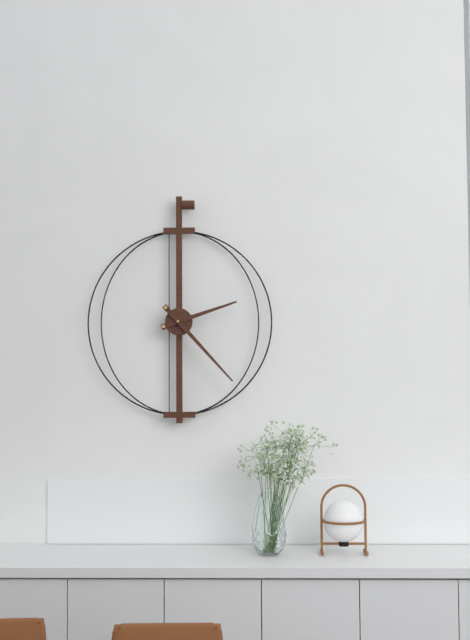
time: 2:23
